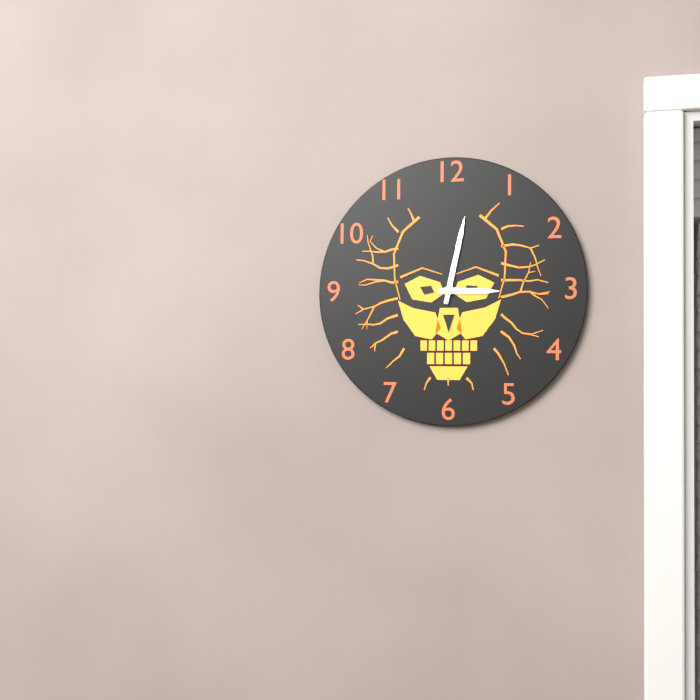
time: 3:02
